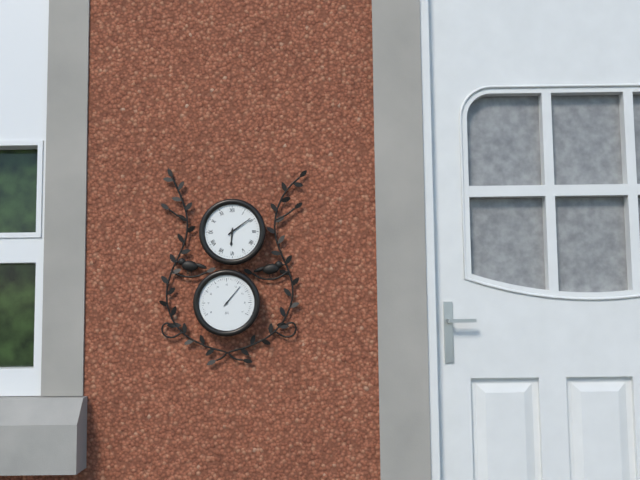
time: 6:09
